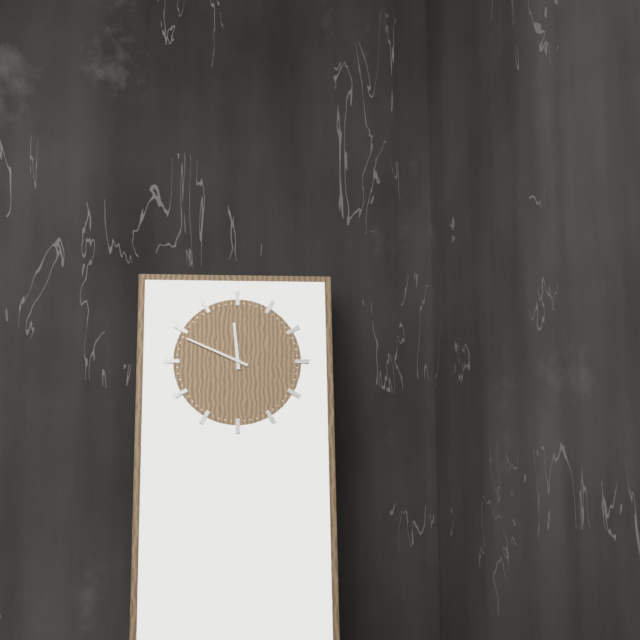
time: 11:49
